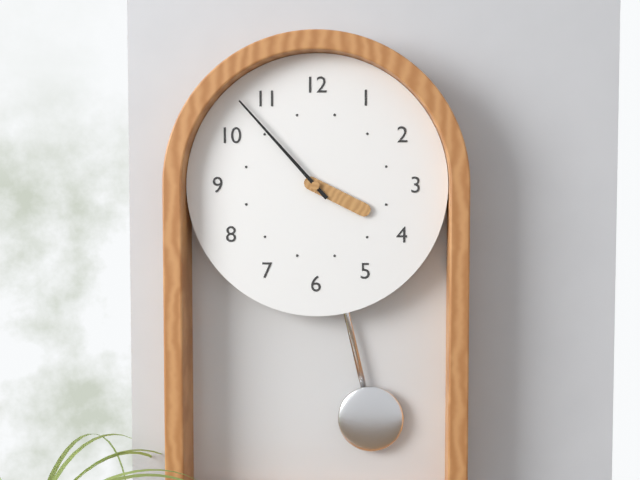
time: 3:53
